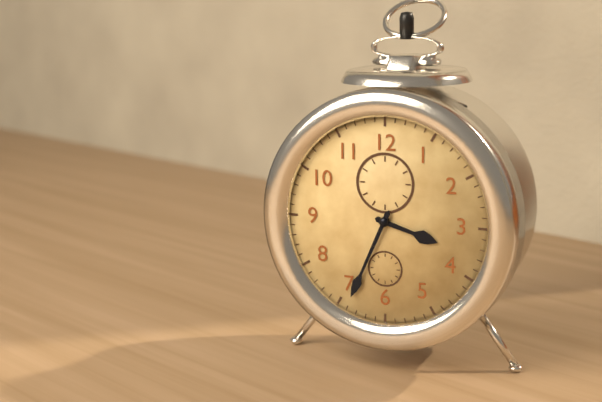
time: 3:34
